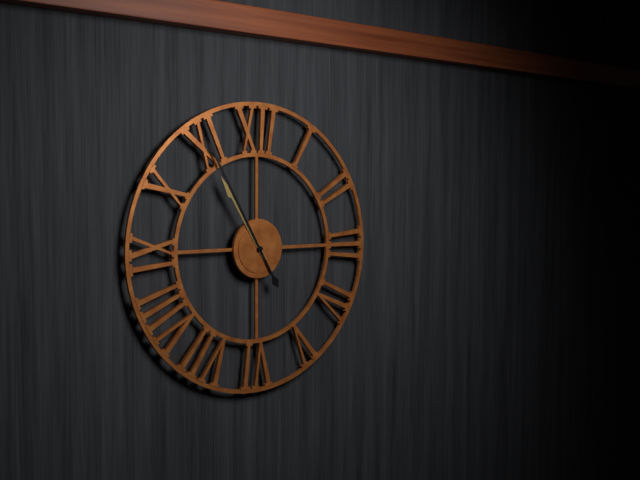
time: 10:55
